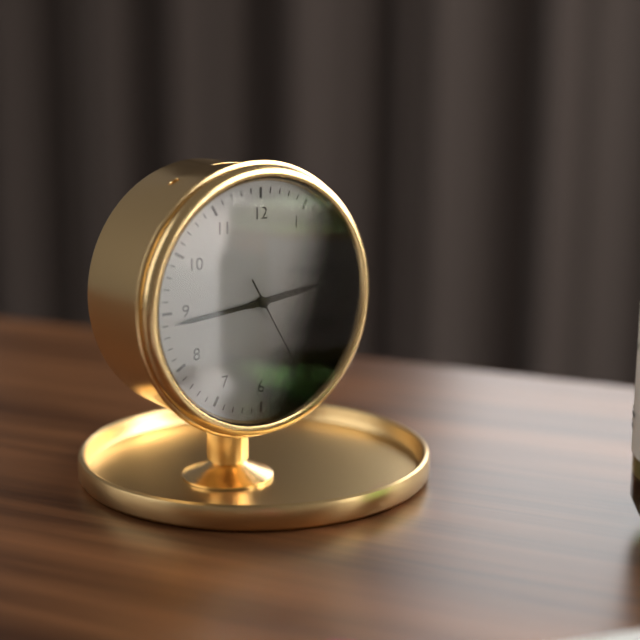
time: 2:44:25
